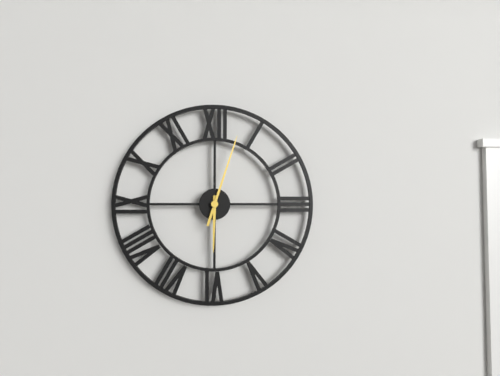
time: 6:03
